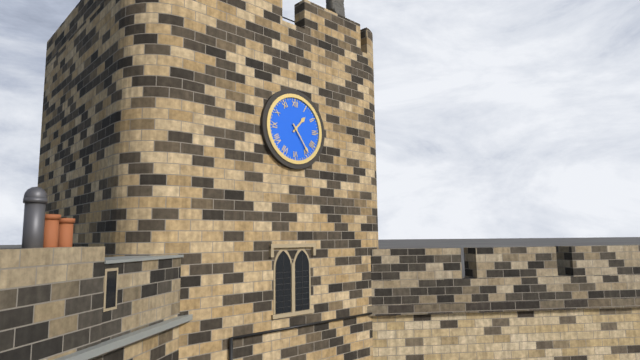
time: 1:24
